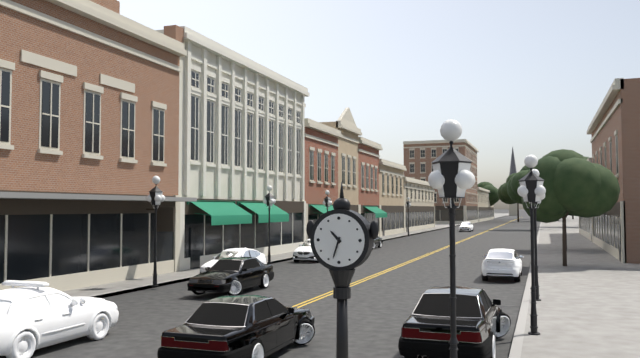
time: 10:33
